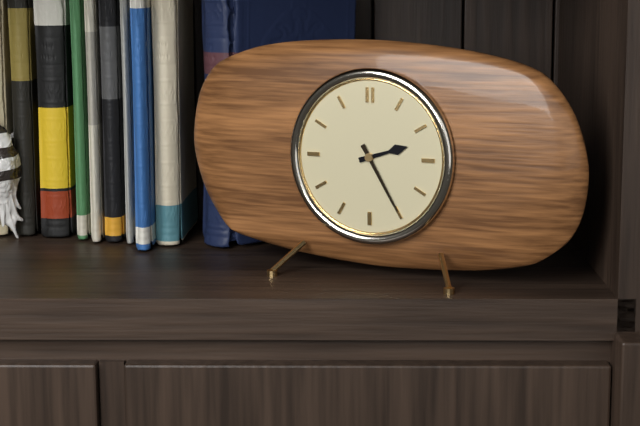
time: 2:25
